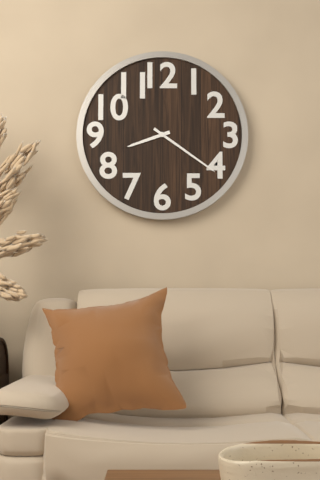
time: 8:21
